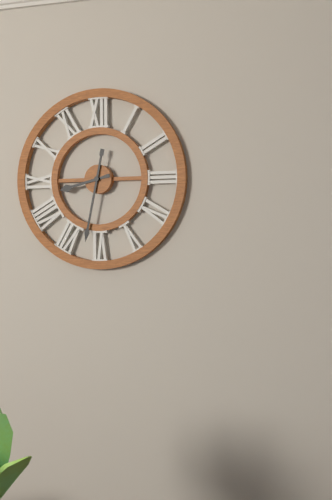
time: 8:32
